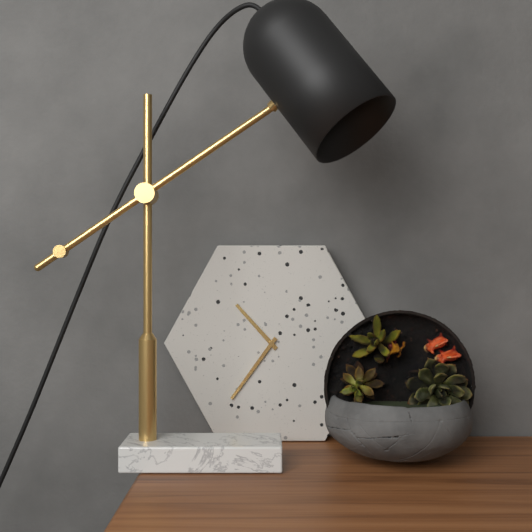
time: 10:36
